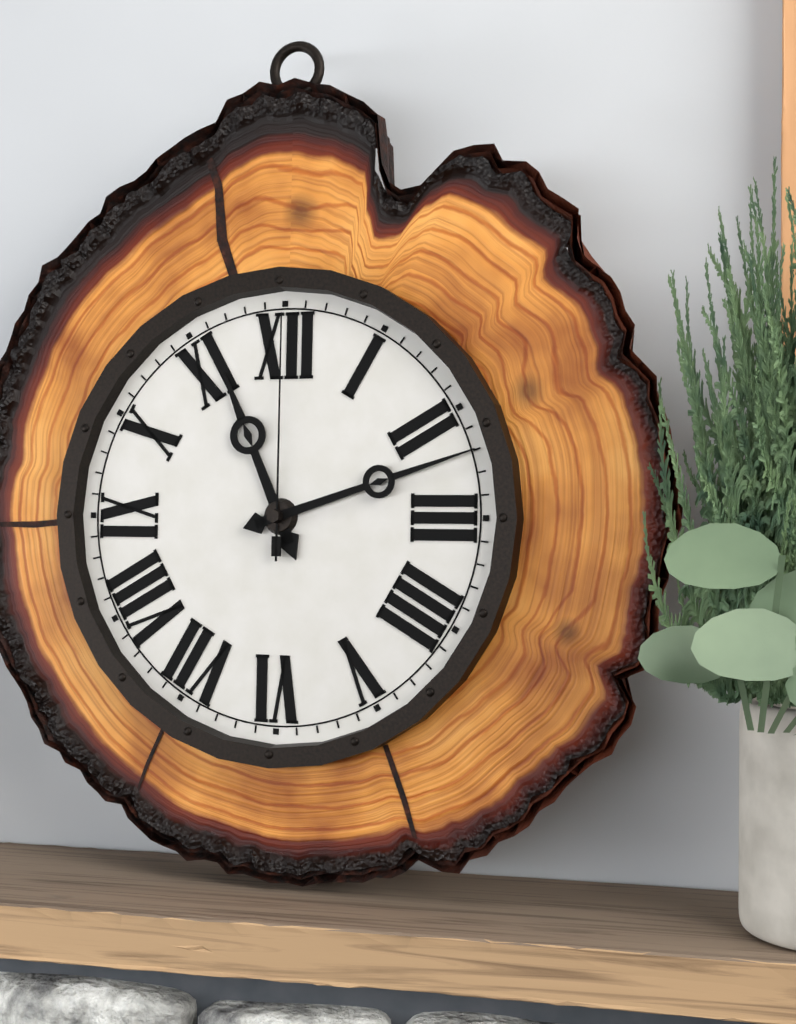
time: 11:12:00
